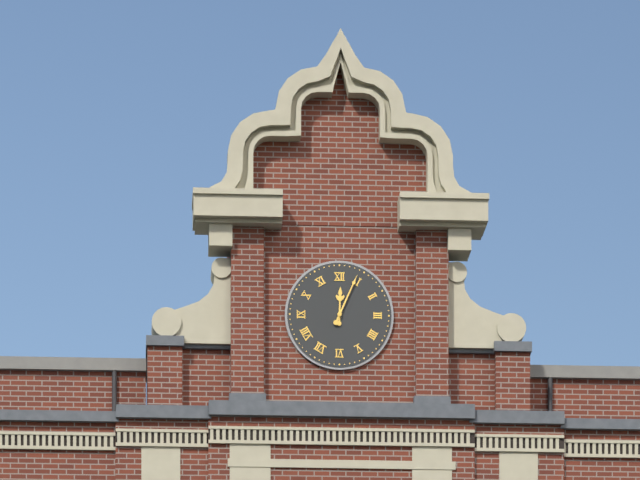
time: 12:04
